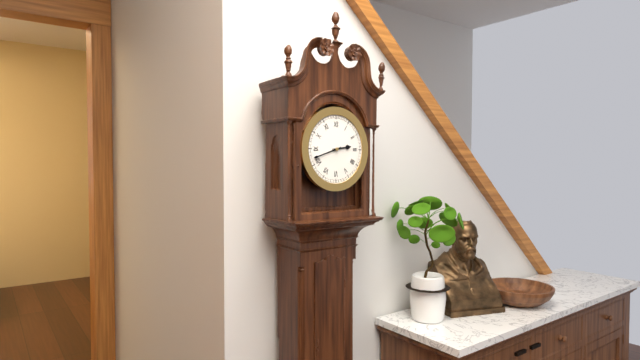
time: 2:42
